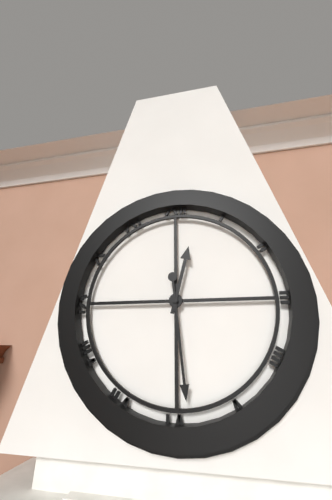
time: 12:29
